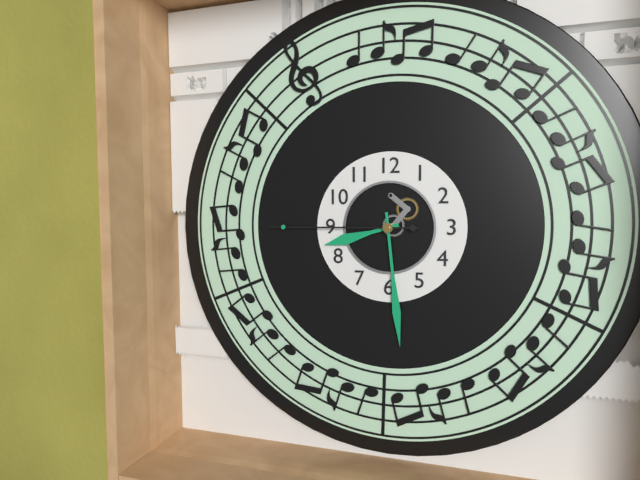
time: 8:29:45
